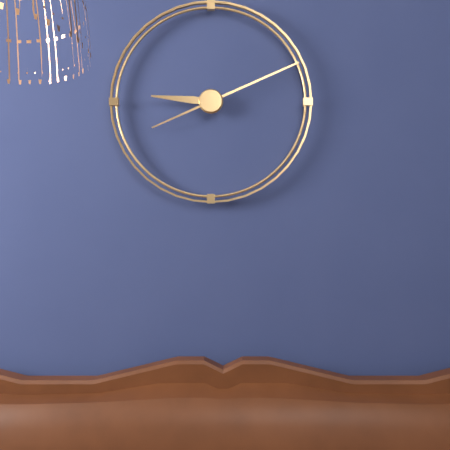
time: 9:11
